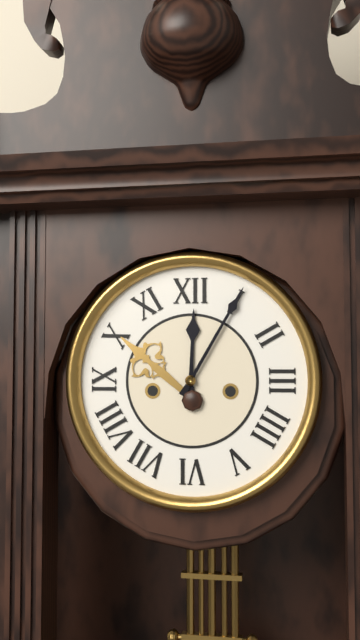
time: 12:05
